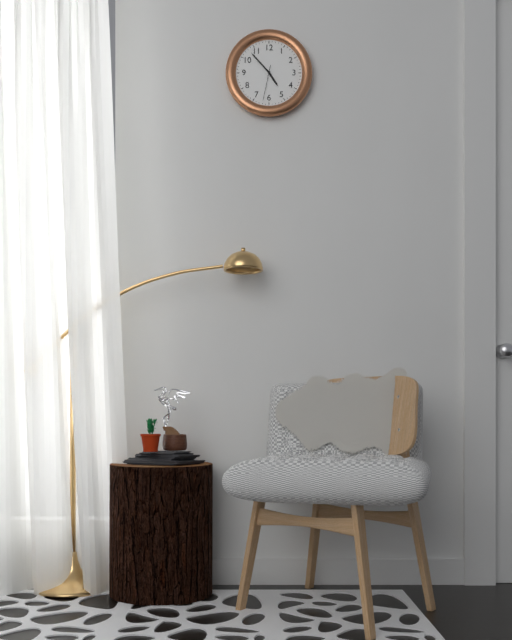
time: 4:53
